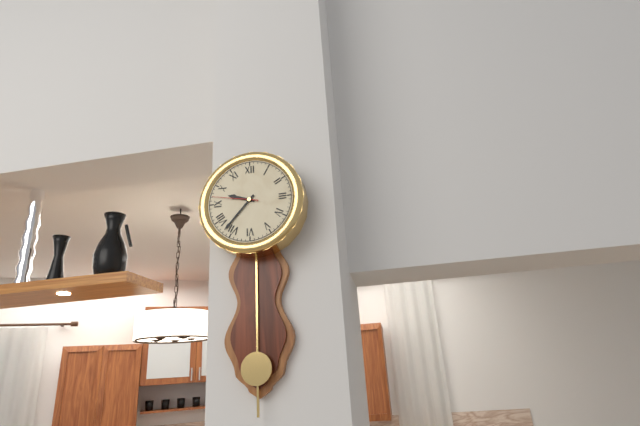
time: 9:37
